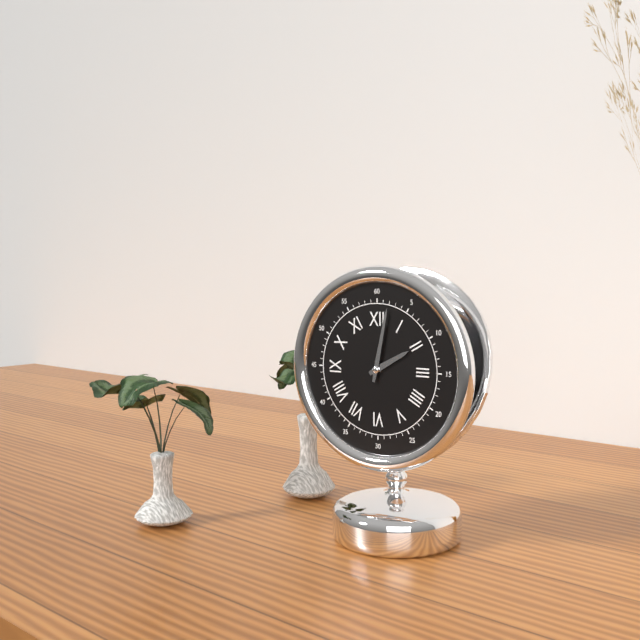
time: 2:02
